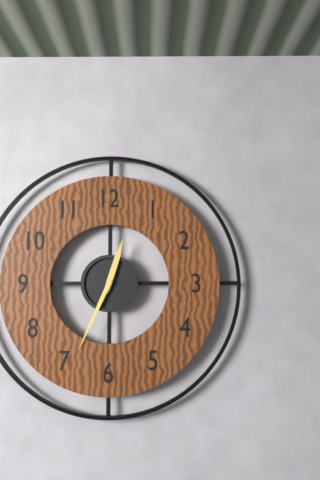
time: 12:34
